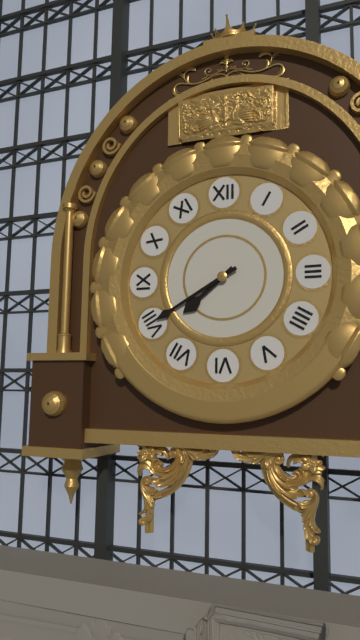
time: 7:40
